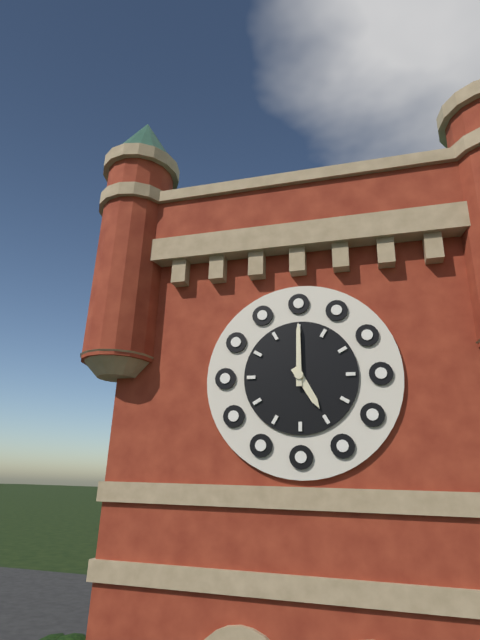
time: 5:00
